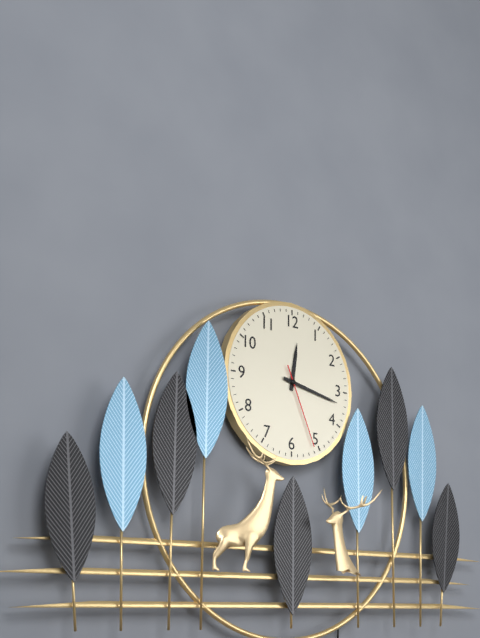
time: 12:17:26
